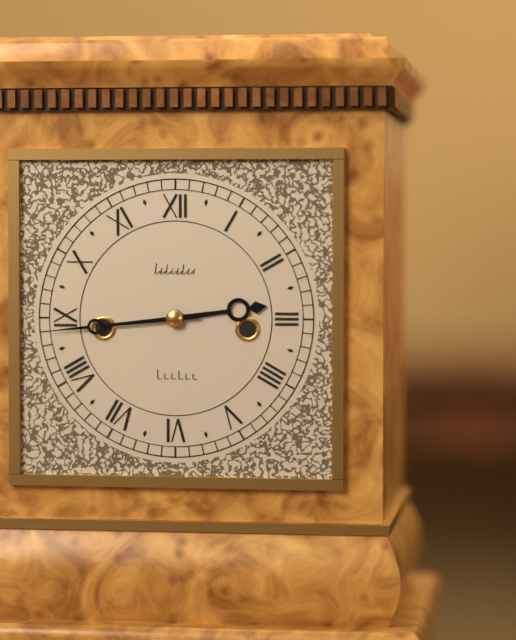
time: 2:44
